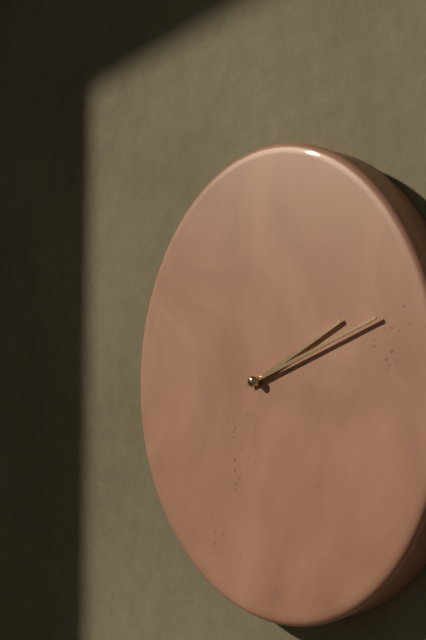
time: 2:12
